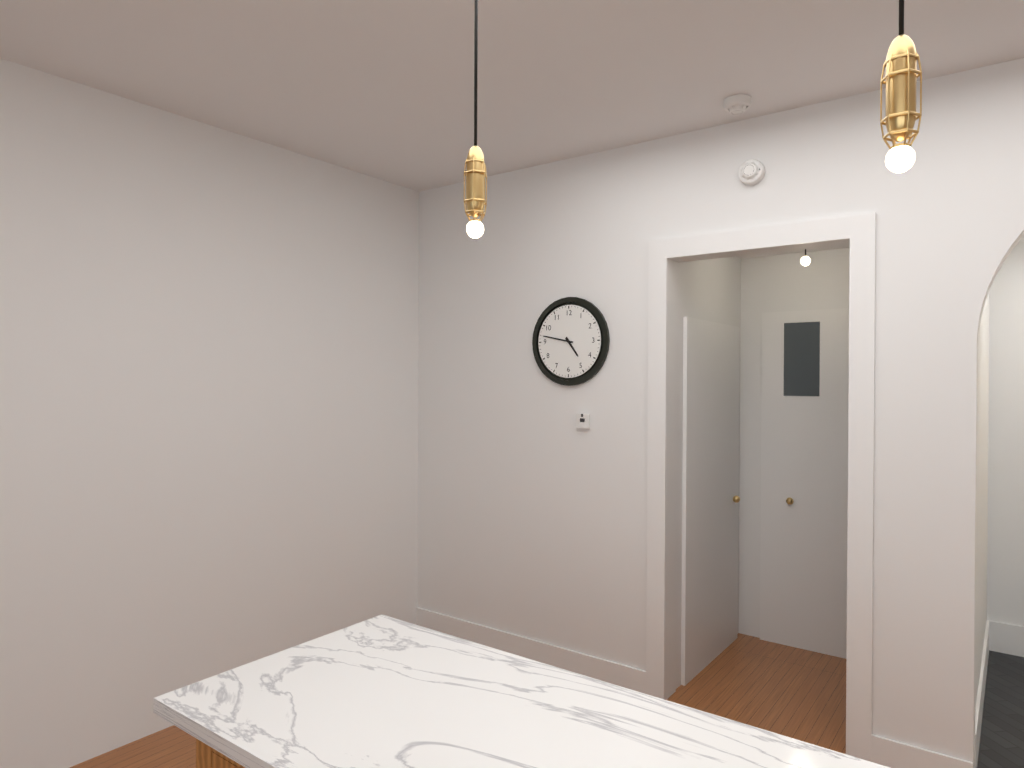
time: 4:47
